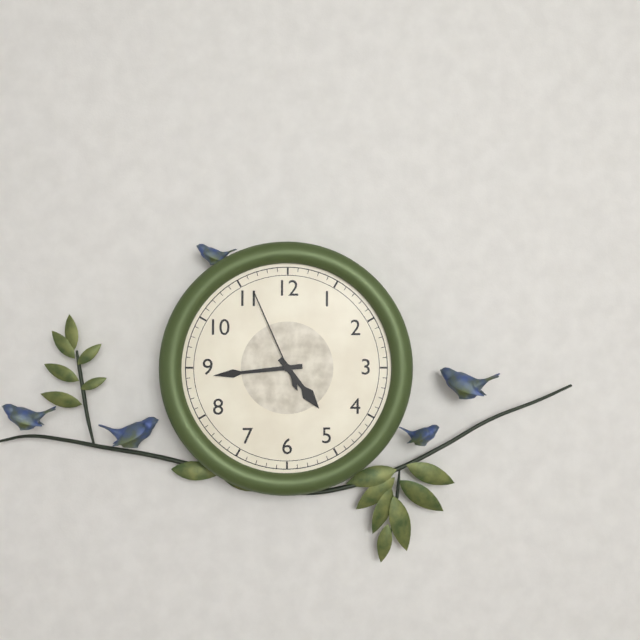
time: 4:44:56
